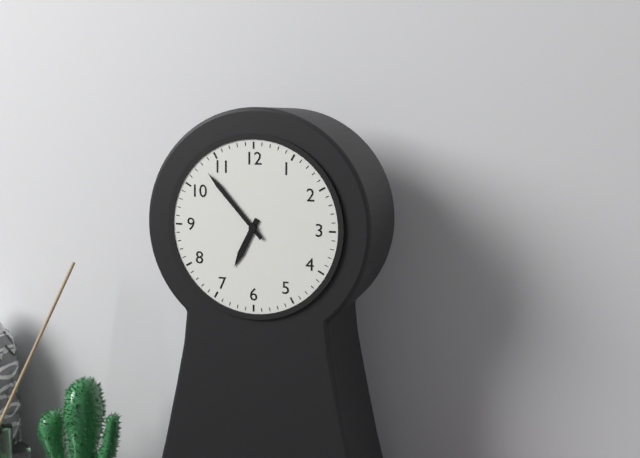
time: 6:53
